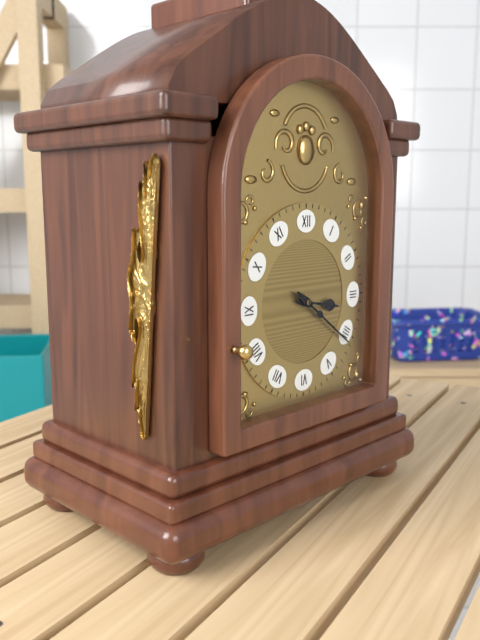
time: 3:21
